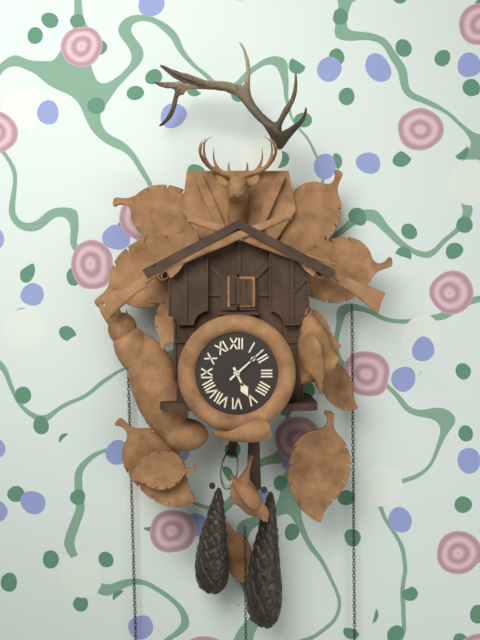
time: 5:08
